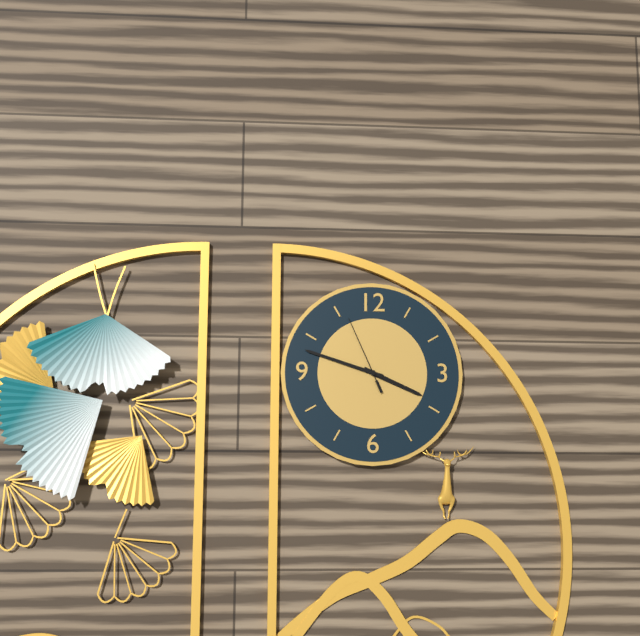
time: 3:48:56
